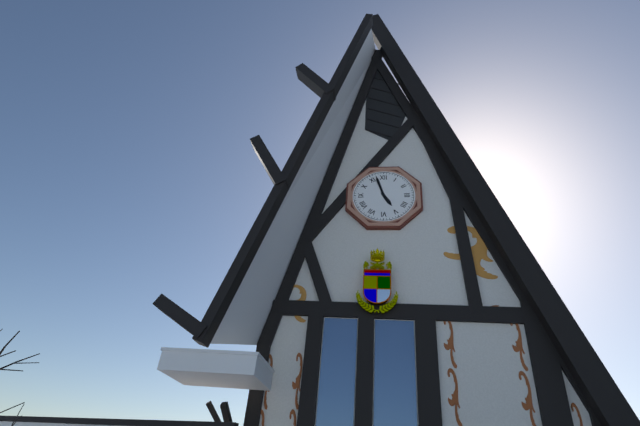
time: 4:57
